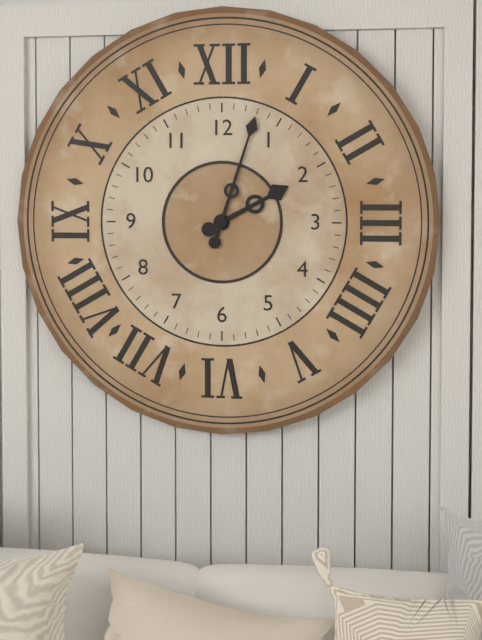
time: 2:03
